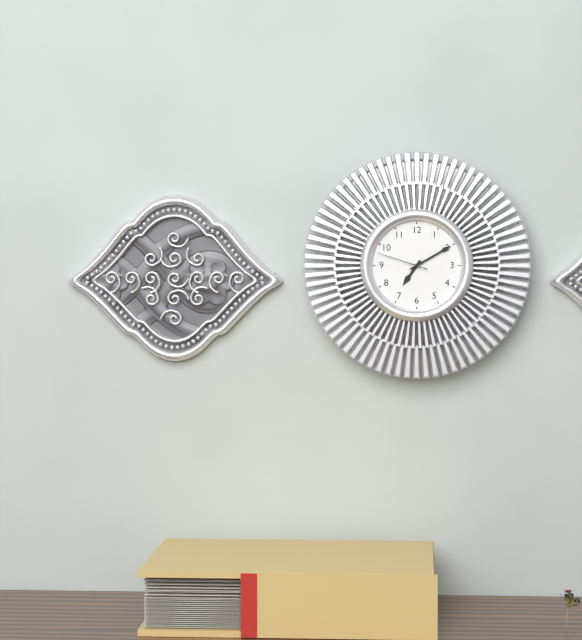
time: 7:10:48
